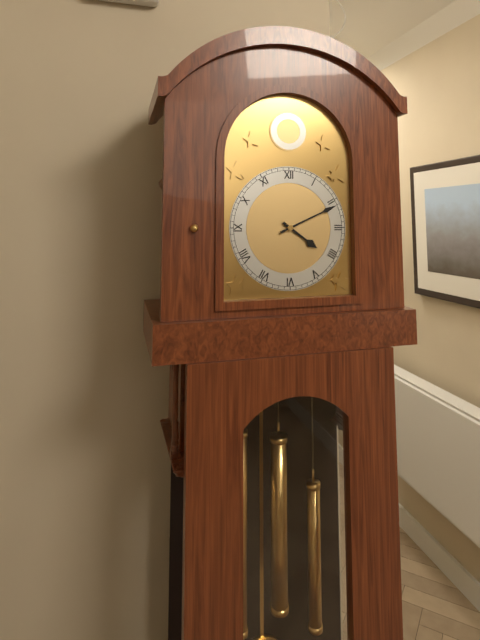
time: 4:11
